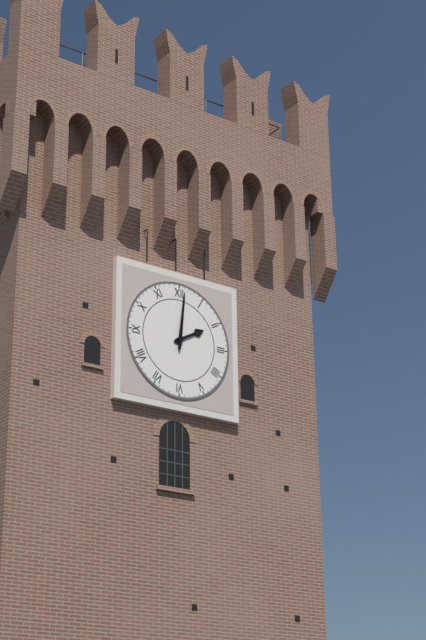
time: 2:01
